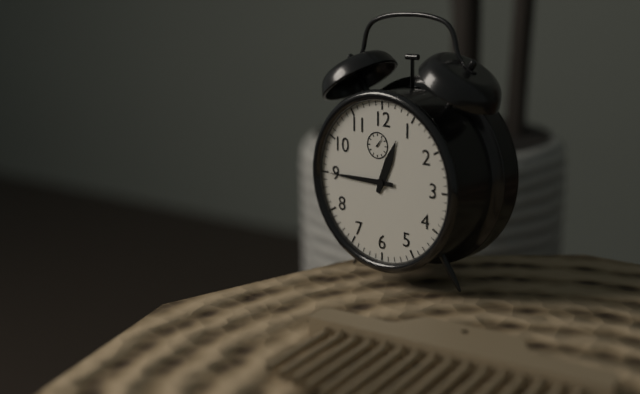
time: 12:45
